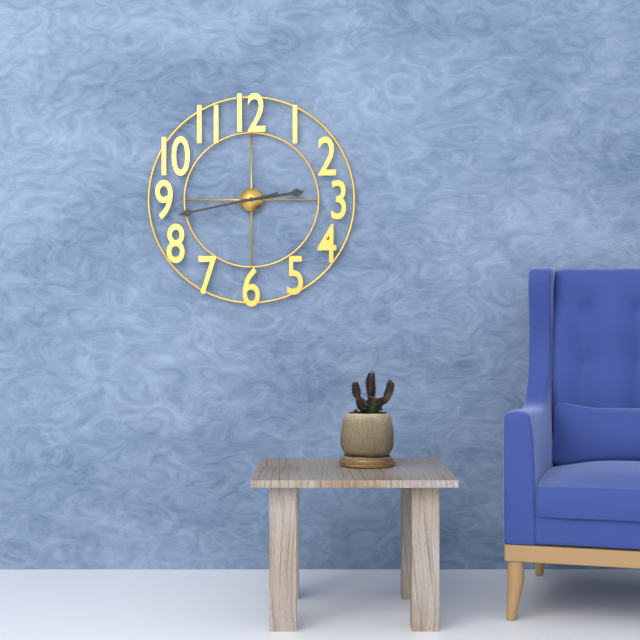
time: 2:43
